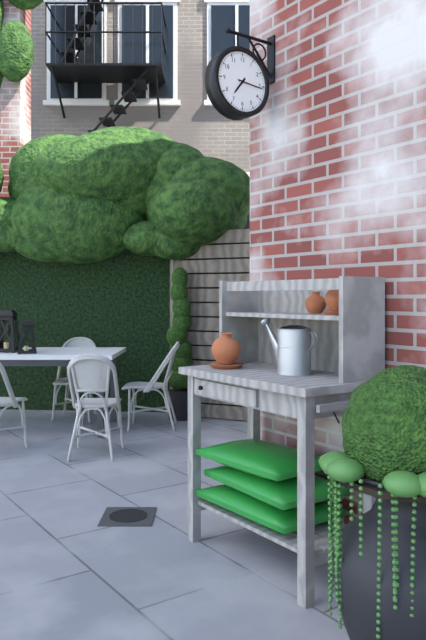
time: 7:16
